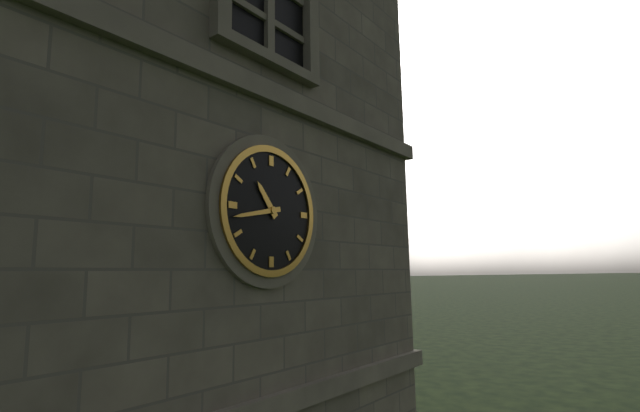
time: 10:43
